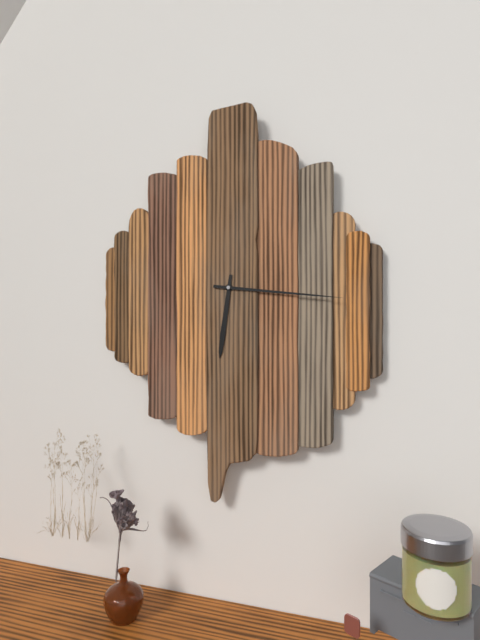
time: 6:16
